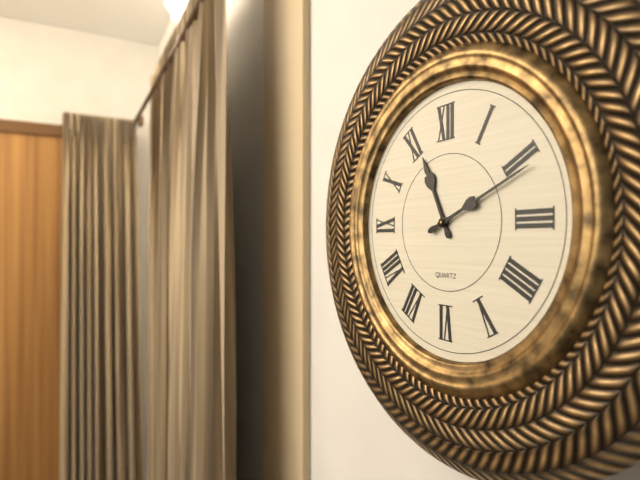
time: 11:11
